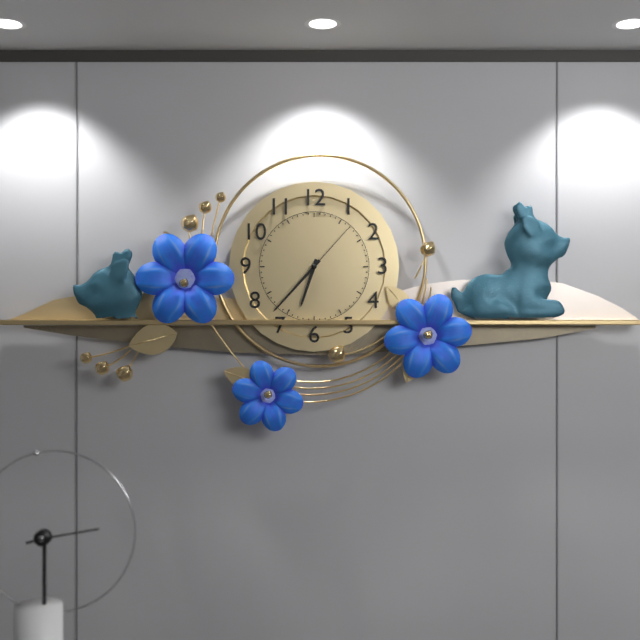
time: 6:37:07
